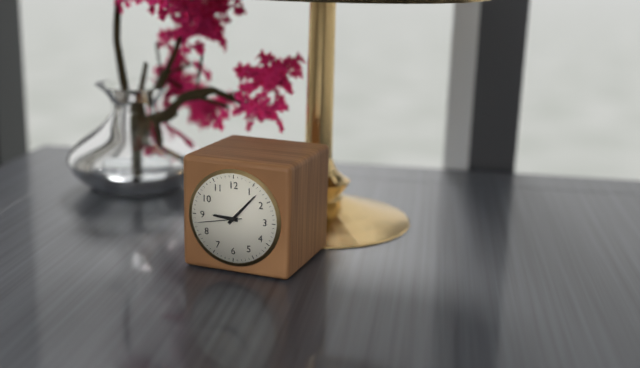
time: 9:07
